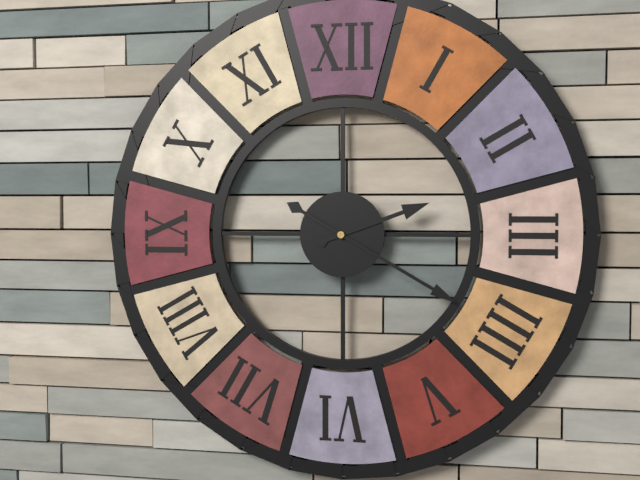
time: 2:20
